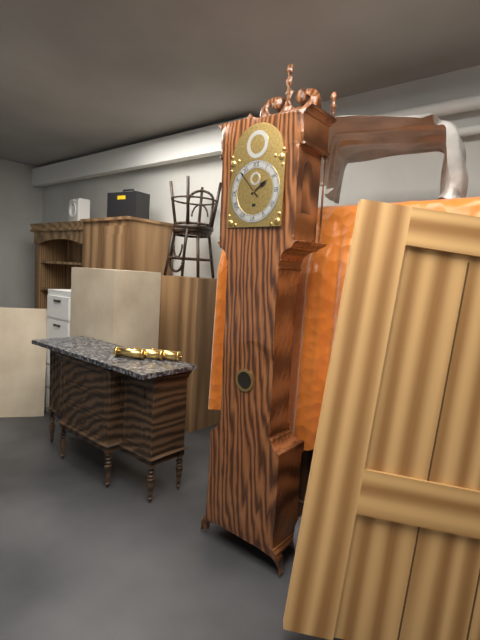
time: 1:53
